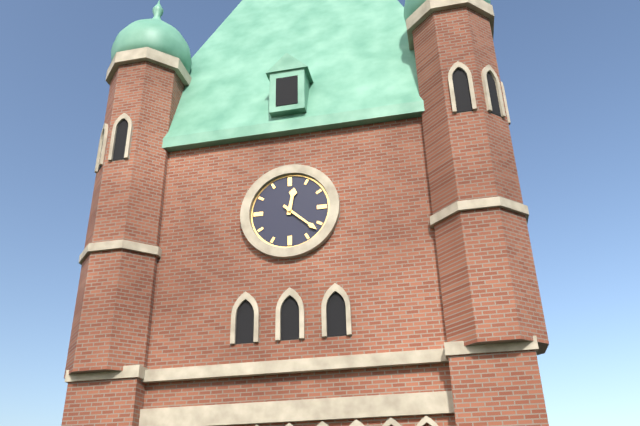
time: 12:22
